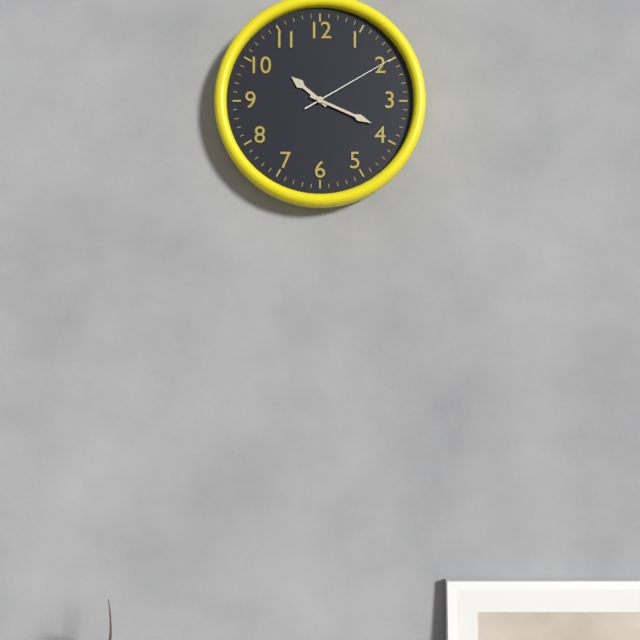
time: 10:19:10
